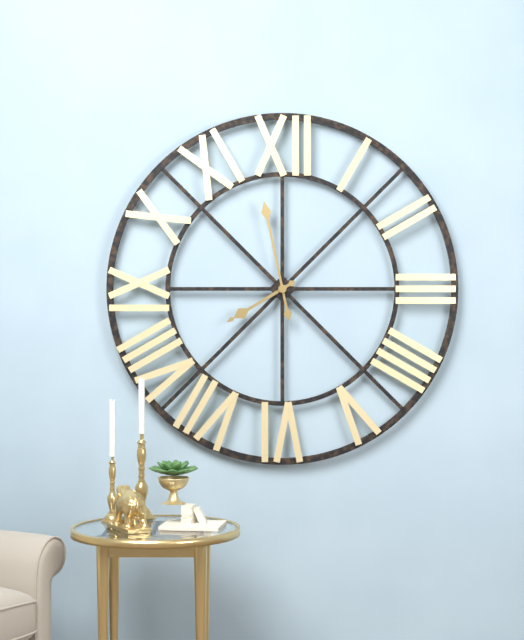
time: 7:58
